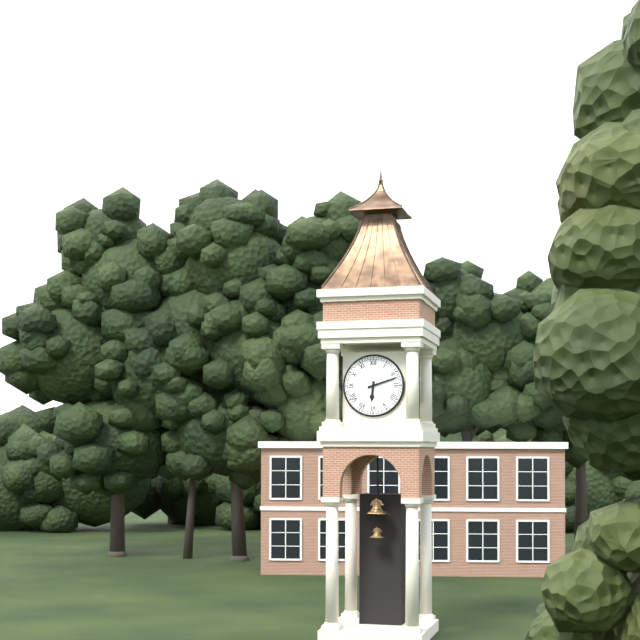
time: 6:12
